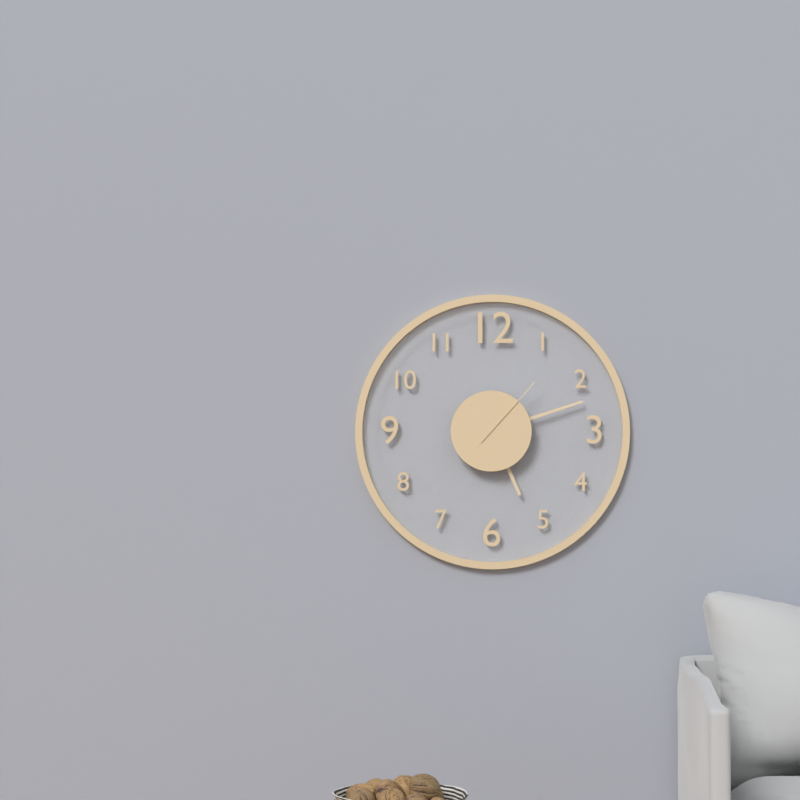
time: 5:12:07
